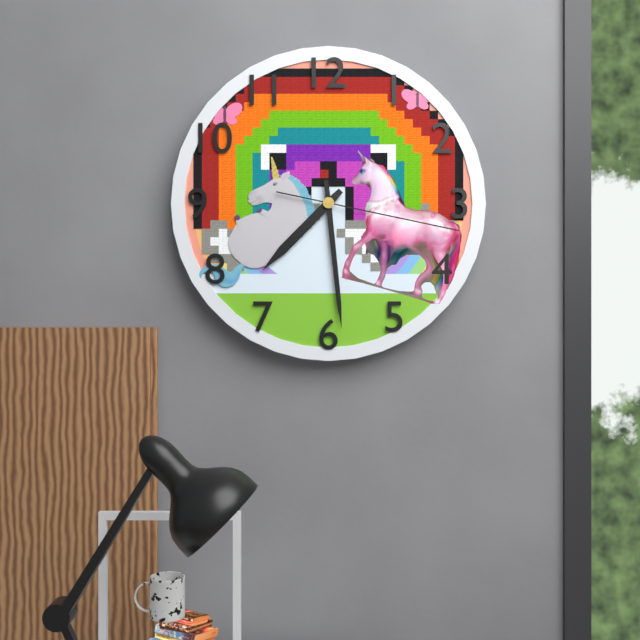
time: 7:29:17
